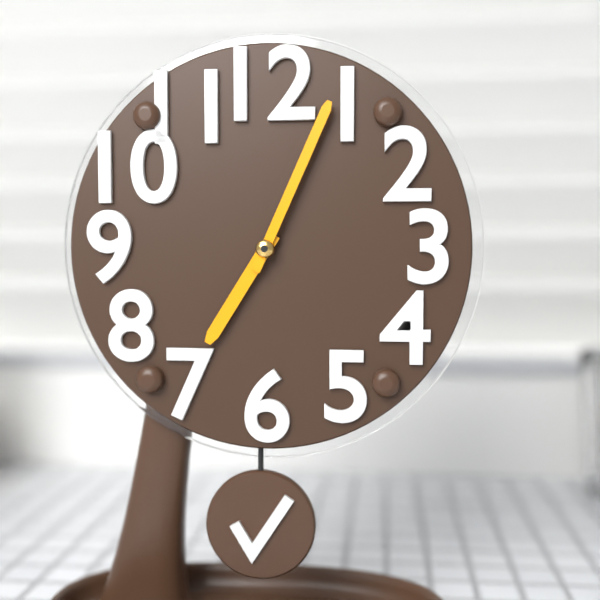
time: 7:04
